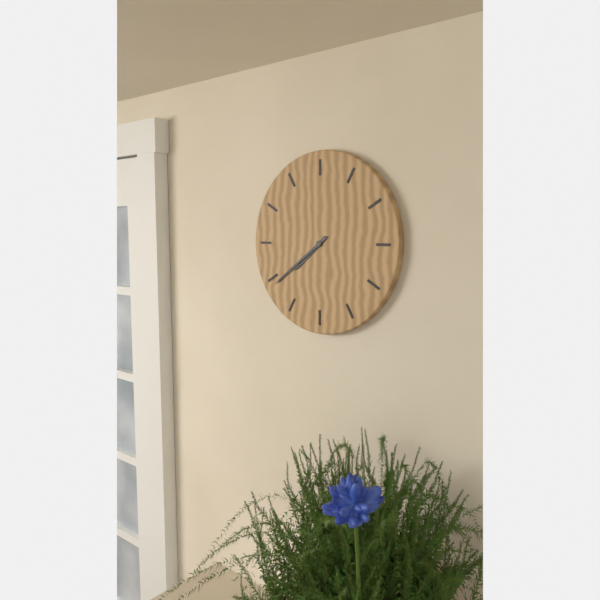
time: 7:39
